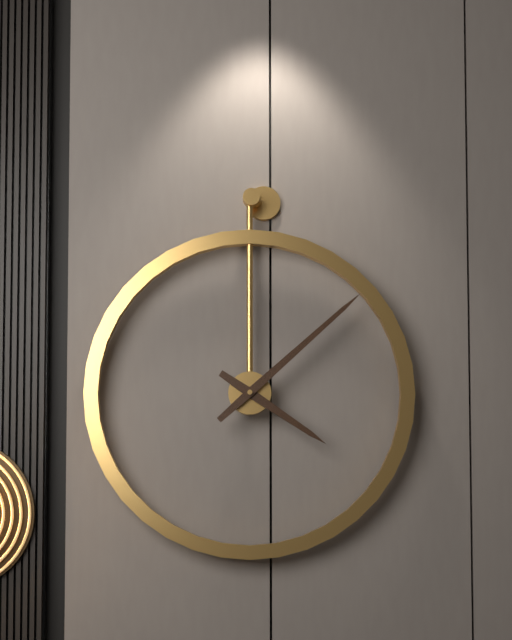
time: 4:08
